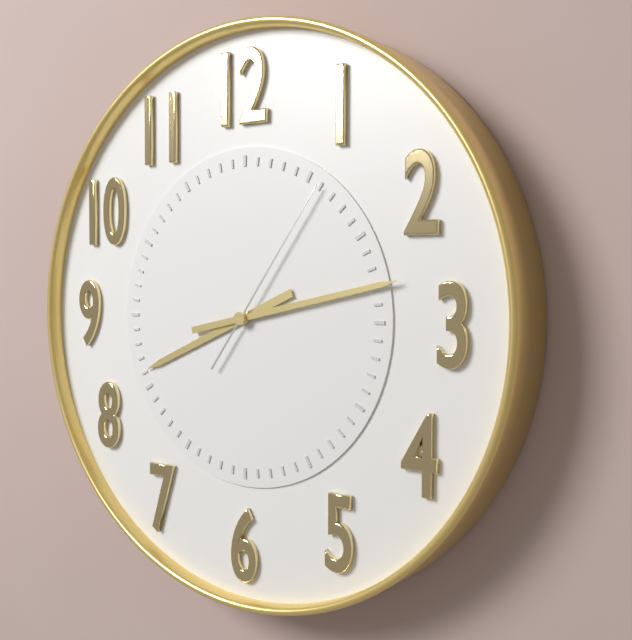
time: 8:13:06
